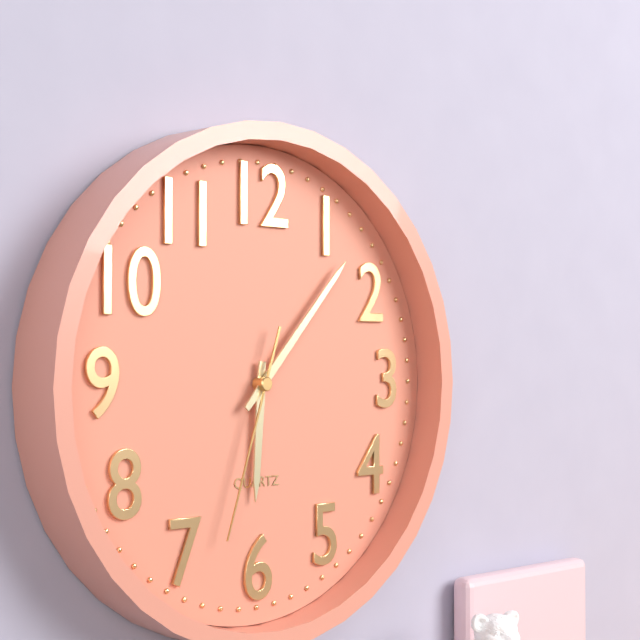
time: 6:07:33
